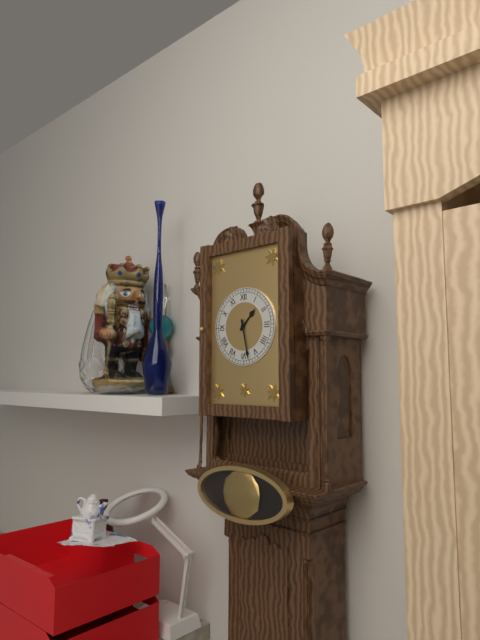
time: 1:28
